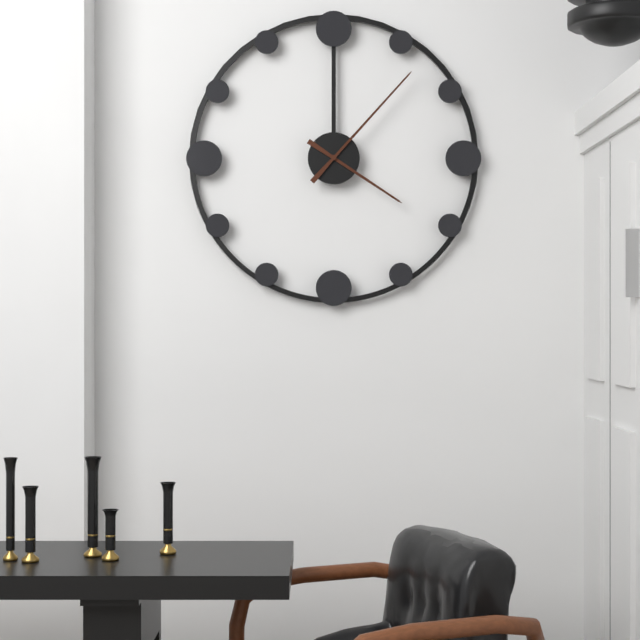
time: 4:07
